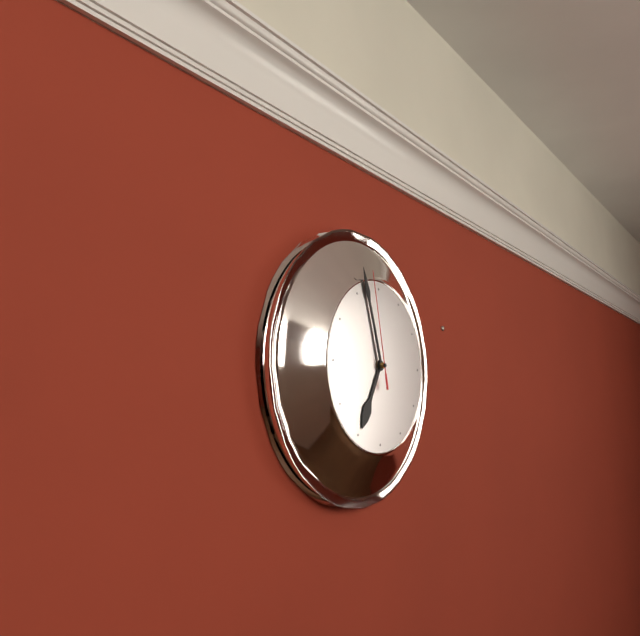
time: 6:57:58
